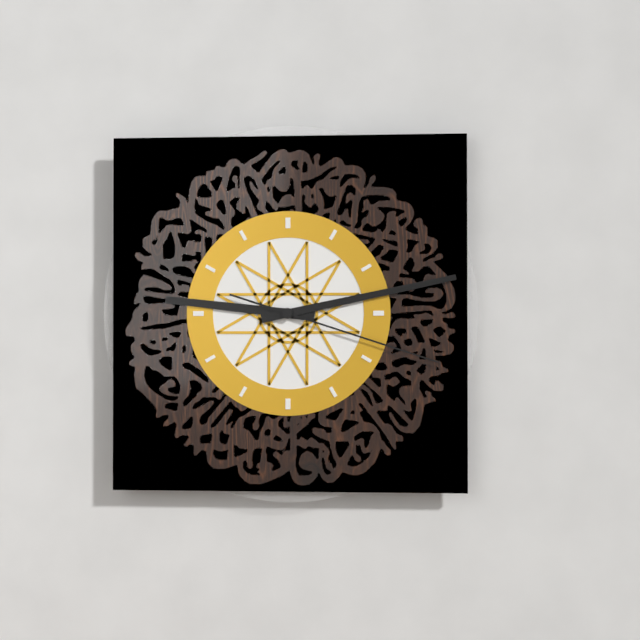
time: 9:13:18
